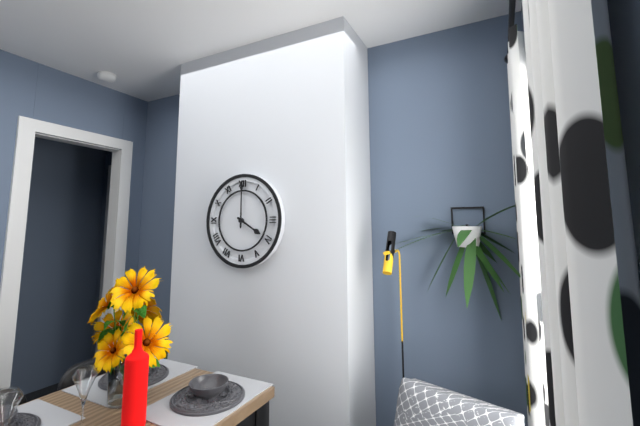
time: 4:00
